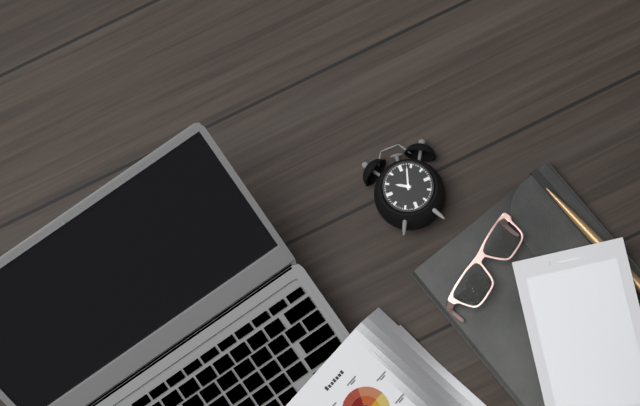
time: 10:03
